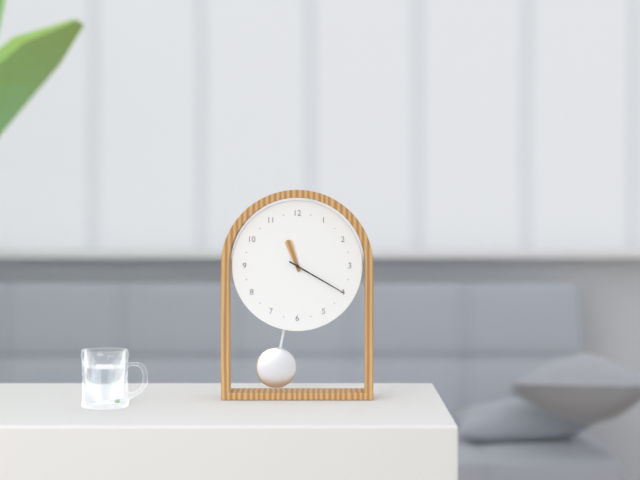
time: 11:20
